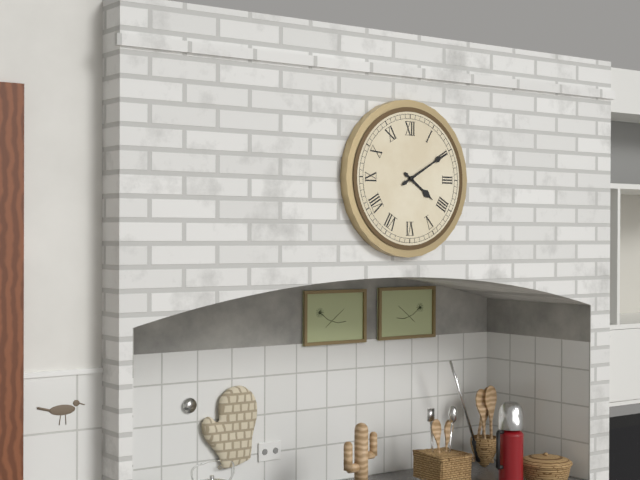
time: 4:10
